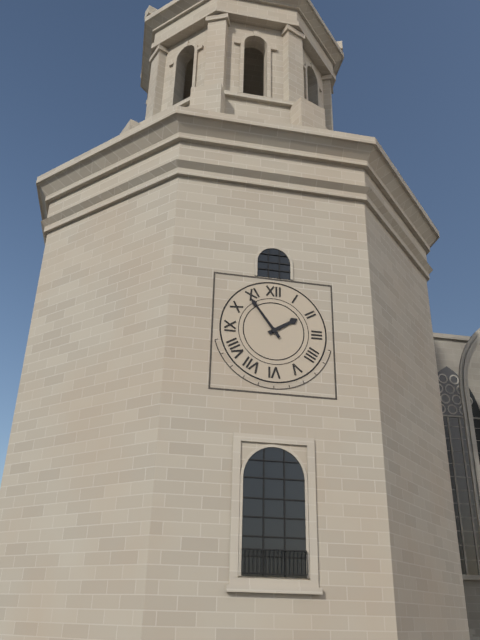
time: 1:54
